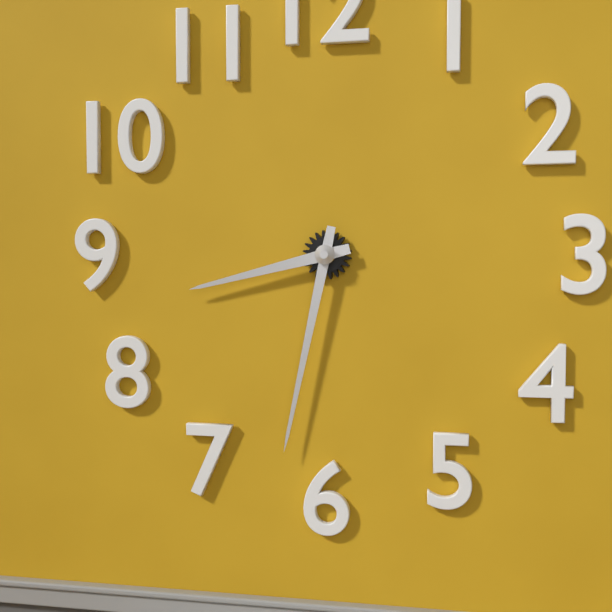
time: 8:32
